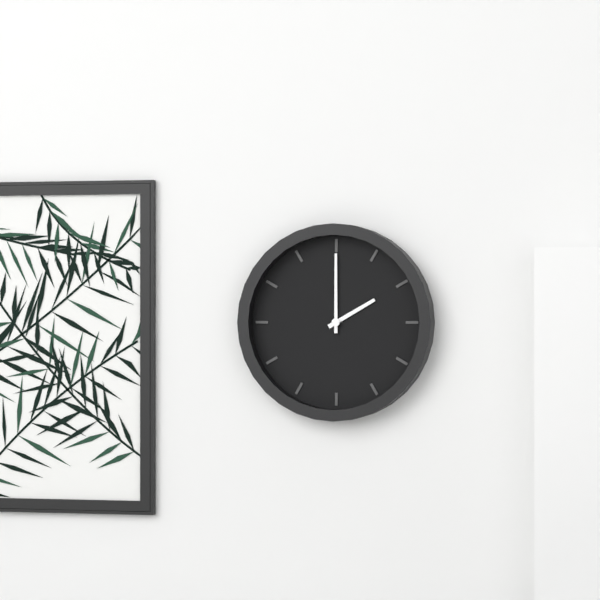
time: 2:00
